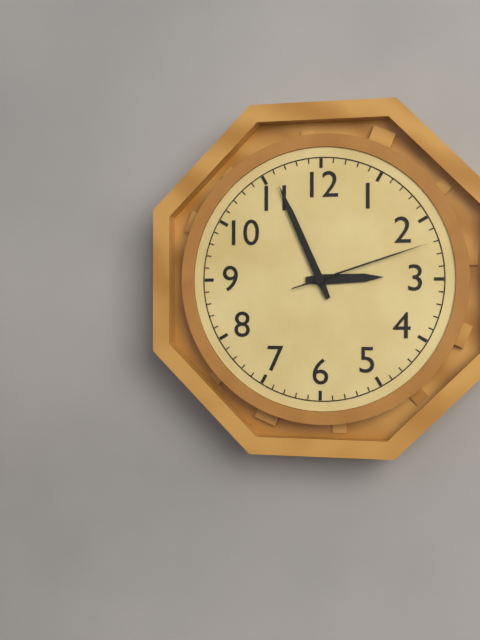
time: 2:56:12
